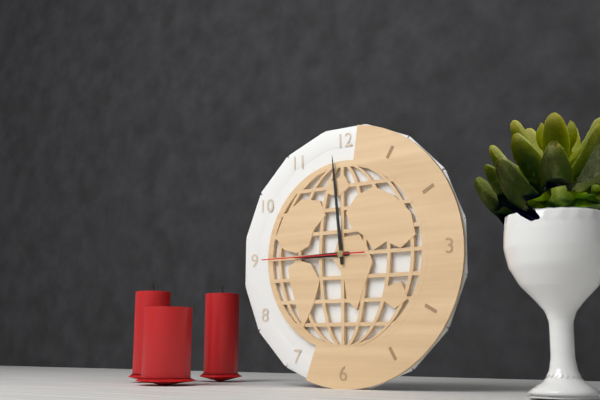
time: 8:59:45
